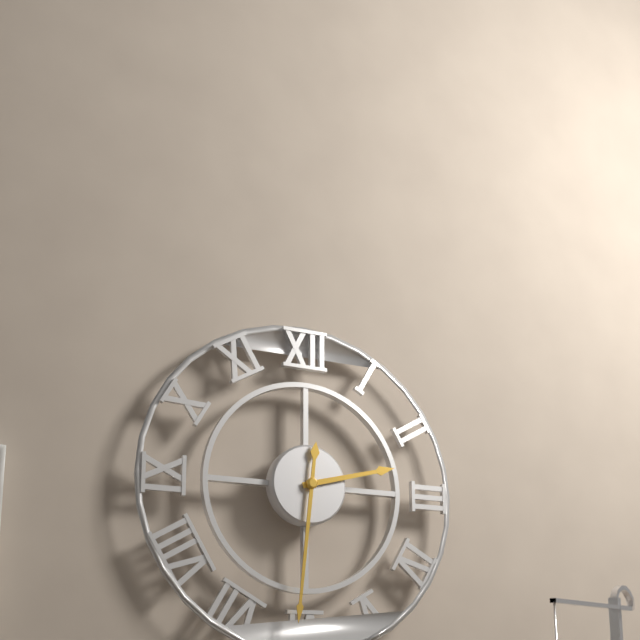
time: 2:31
